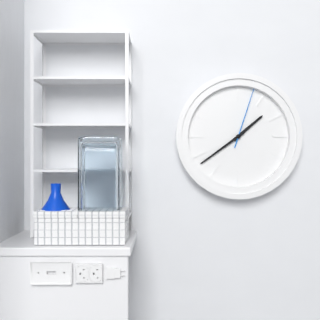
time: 1:39:03
